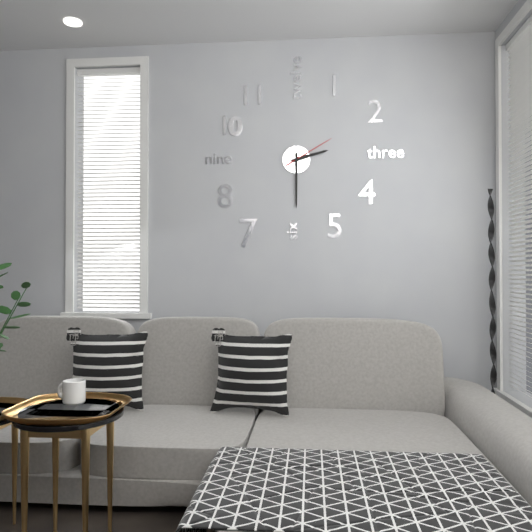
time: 2:30:10
